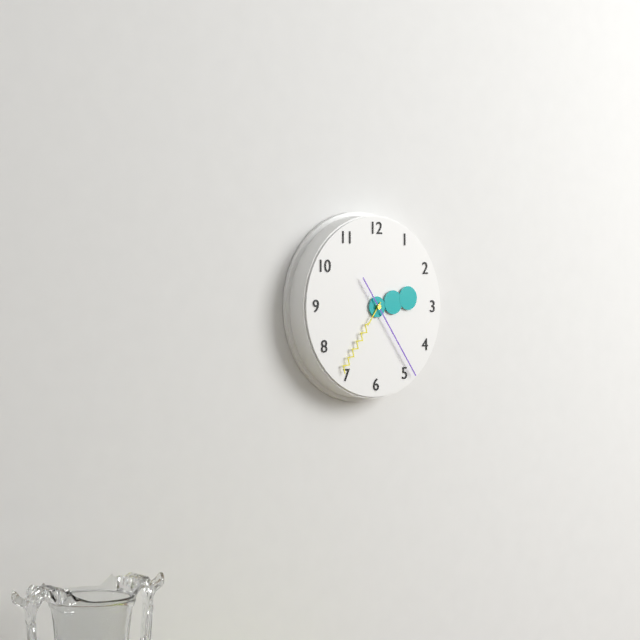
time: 2:36:24
